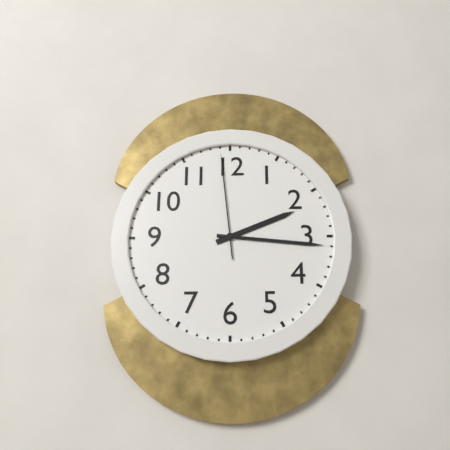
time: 2:16:59
